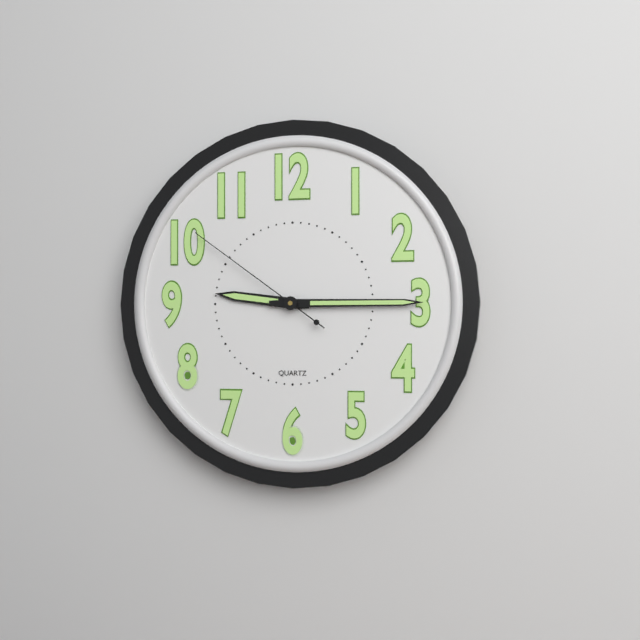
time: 9:15:51
